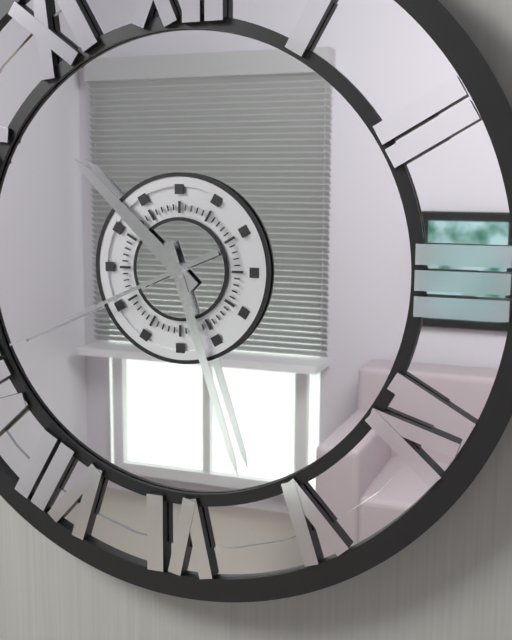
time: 10:27:41
